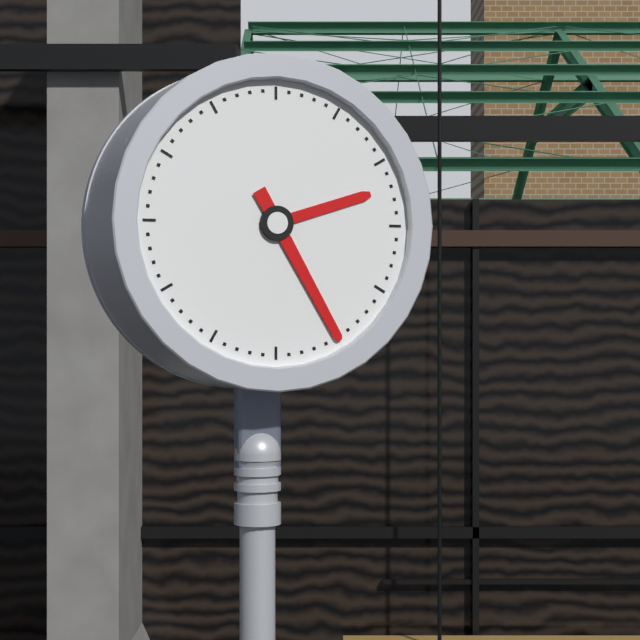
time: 2:25
